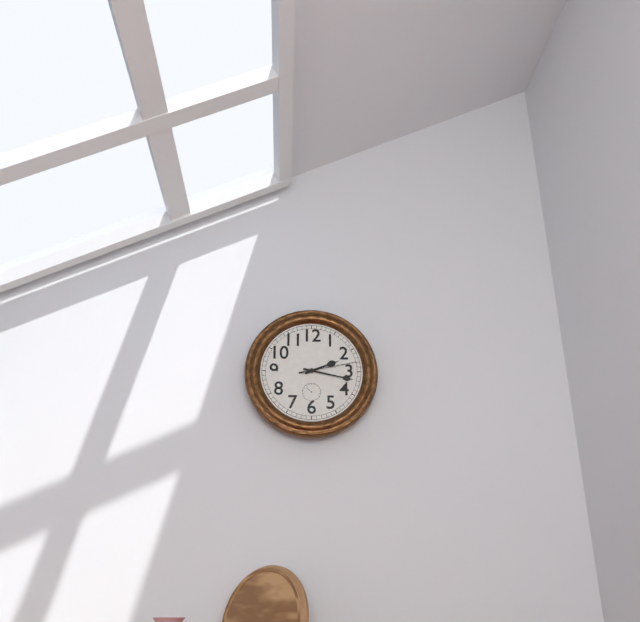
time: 2:17:13
